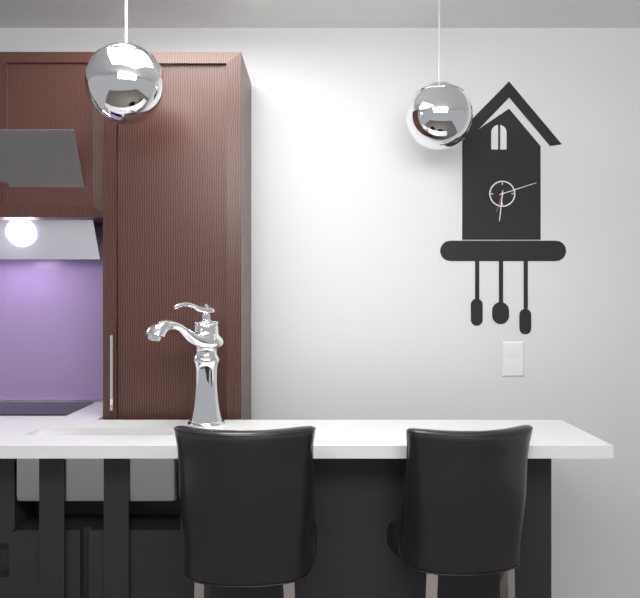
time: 6:12
